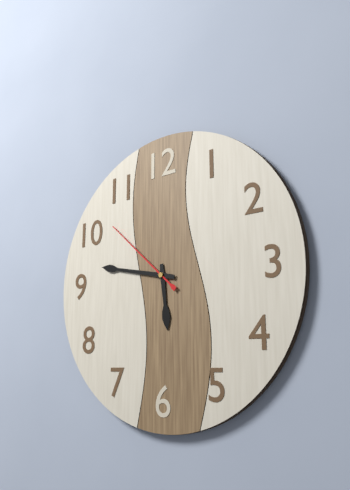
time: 5:47:52
